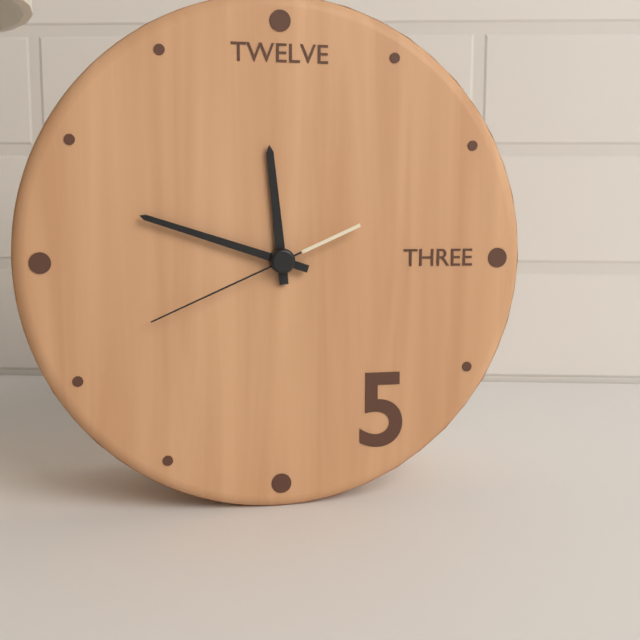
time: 11:48:41
